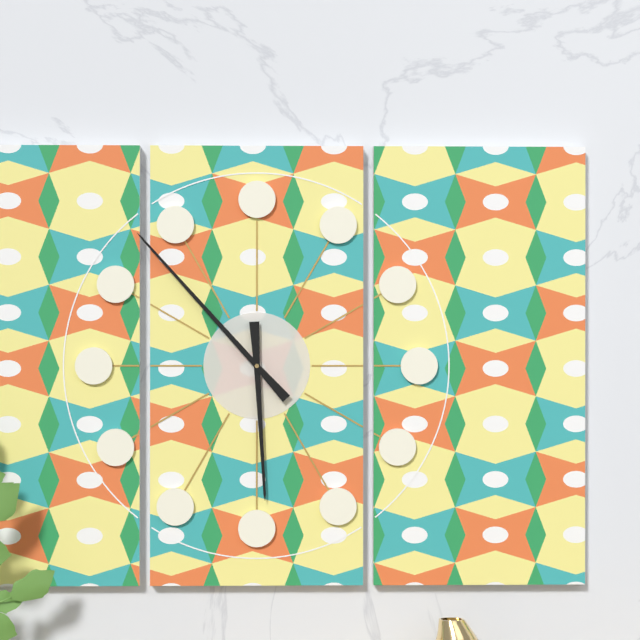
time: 5:53
